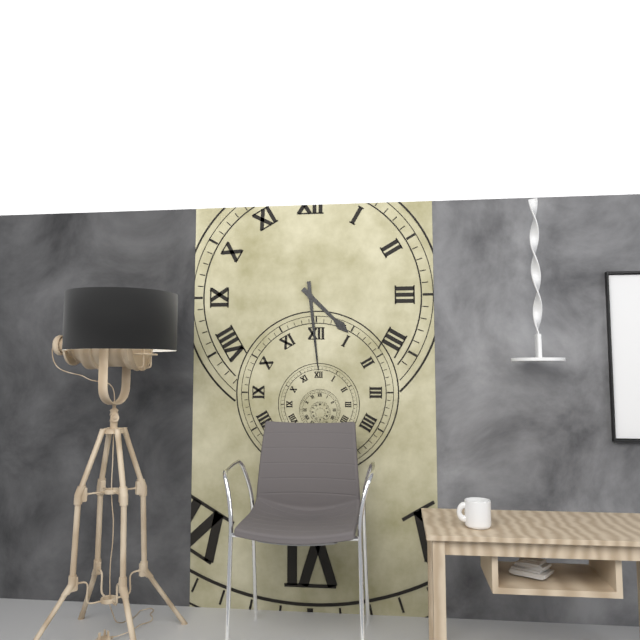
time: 4:29
